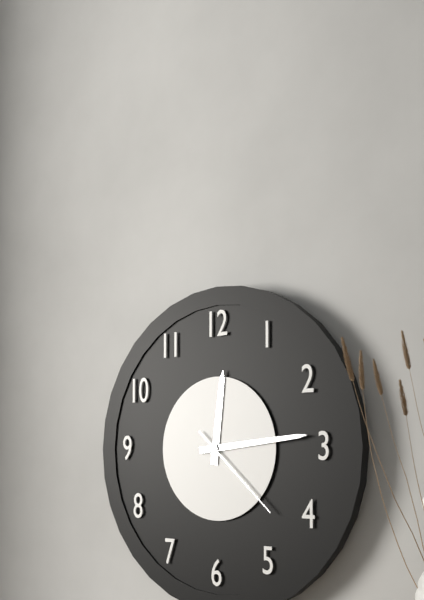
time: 12:14:22
